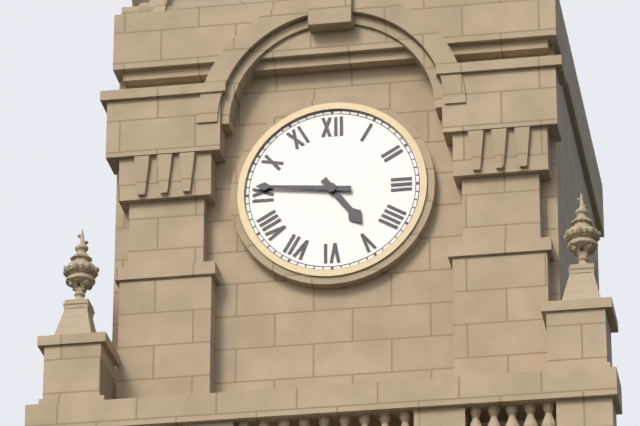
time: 4:46
